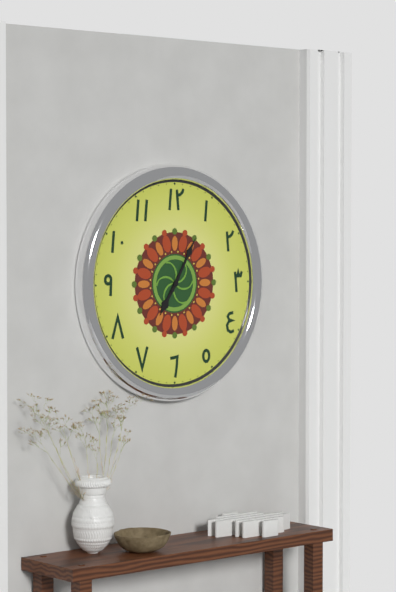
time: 7:05
